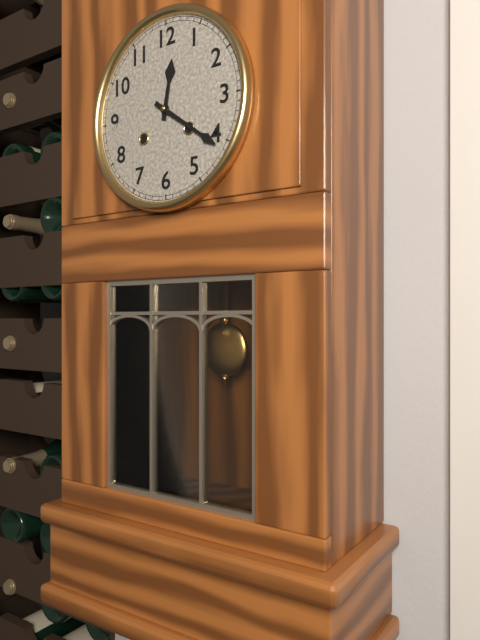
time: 12:21
